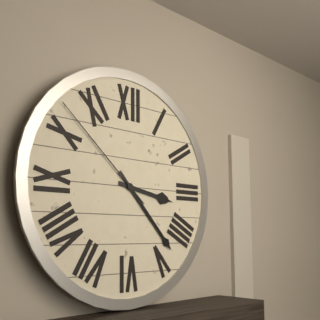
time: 3:23:52
